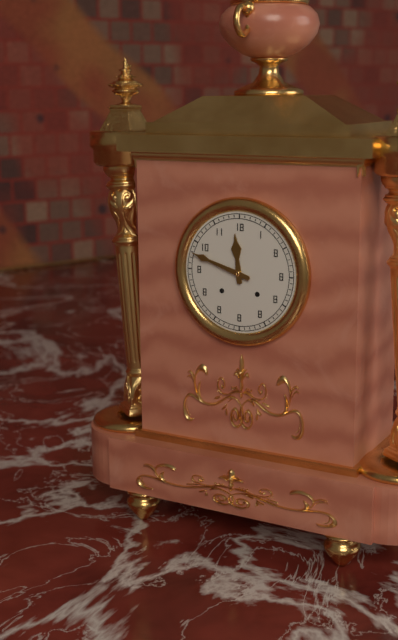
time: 11:48
